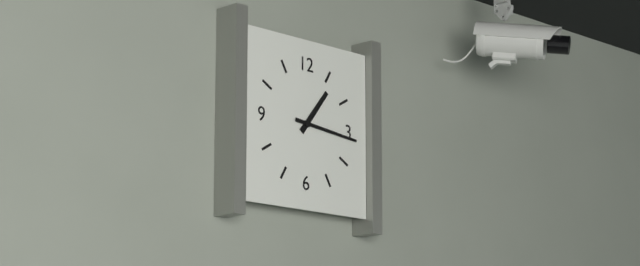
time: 1:16
